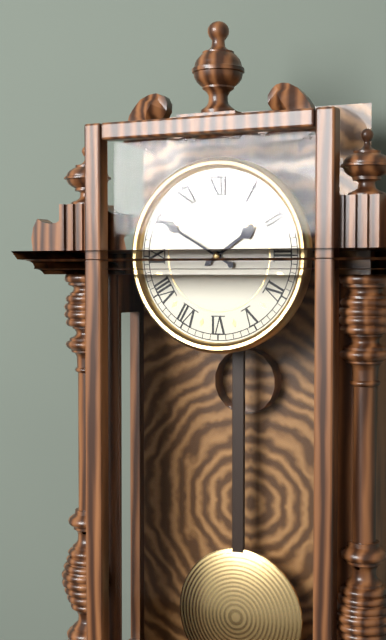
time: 1:50
